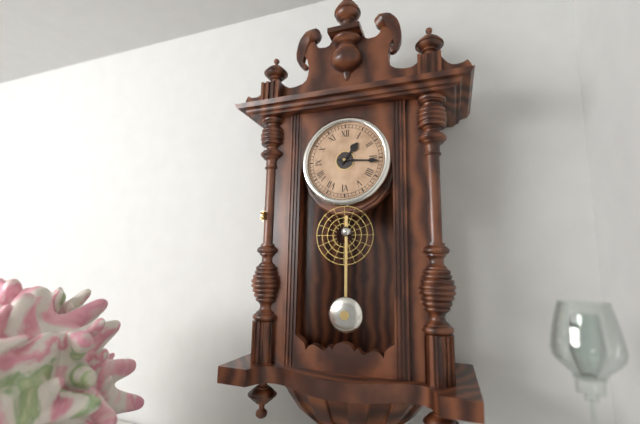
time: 1:16
